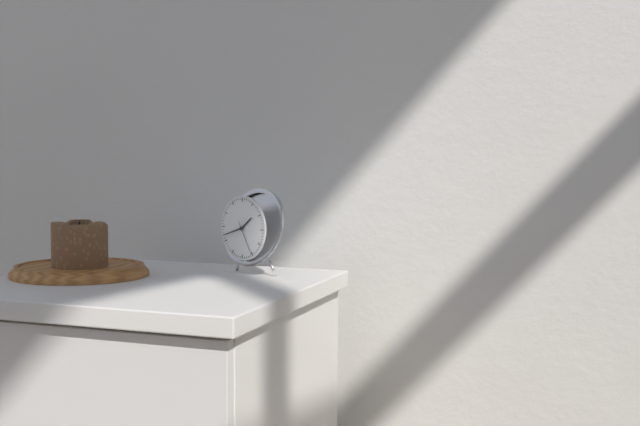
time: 1:42
